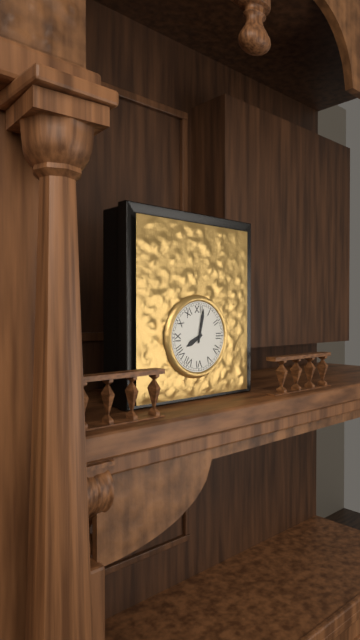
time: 8:02
